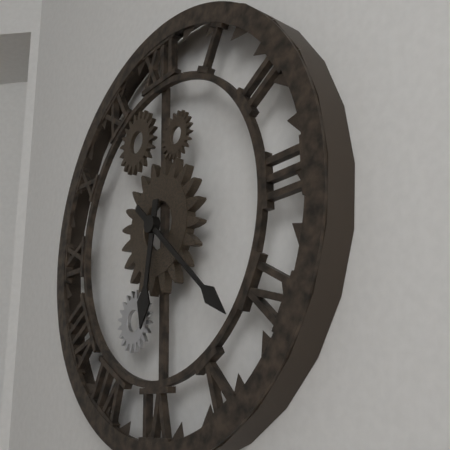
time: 6:22
